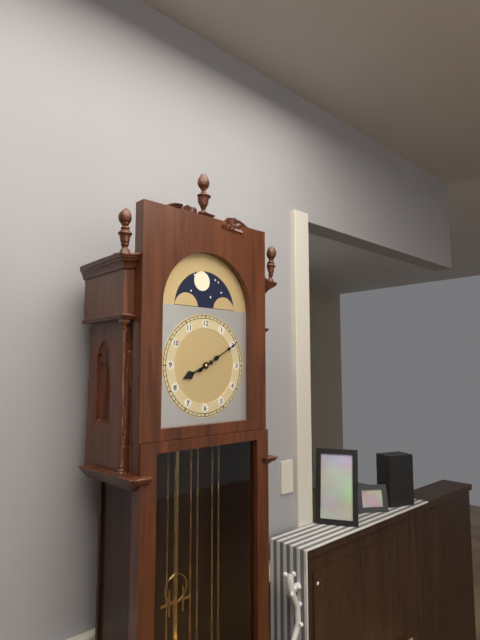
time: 8:10
